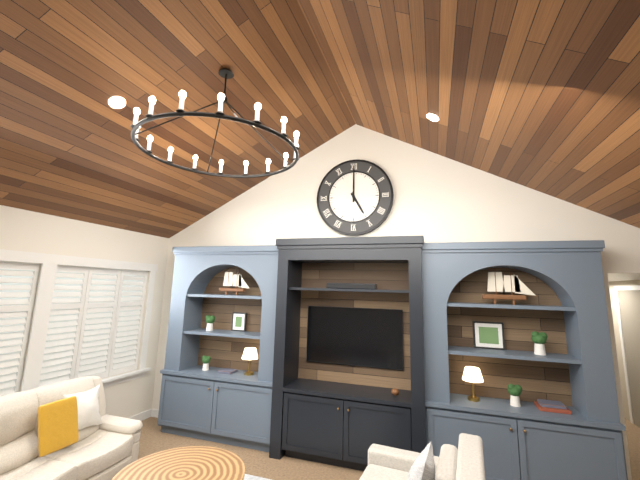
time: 5:00
